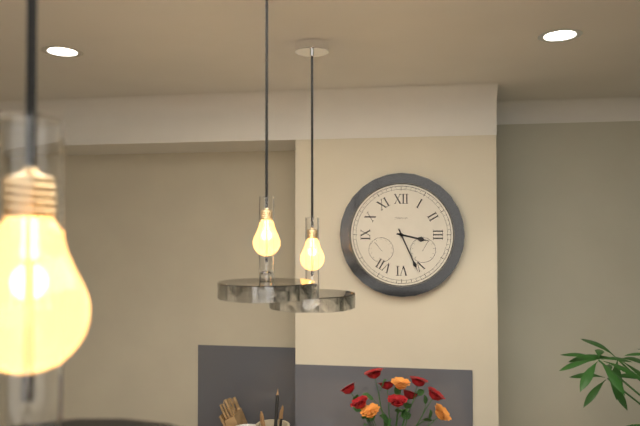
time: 3:26
